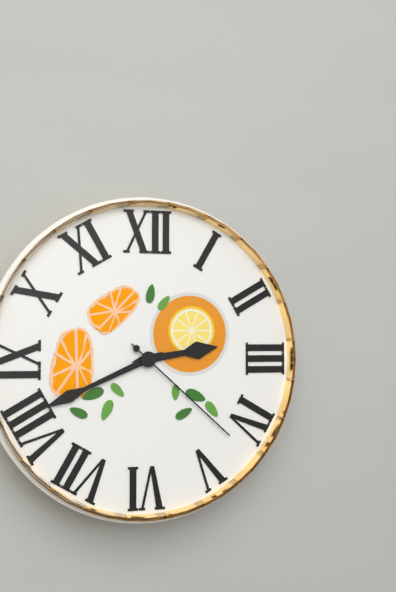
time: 2:41:22
